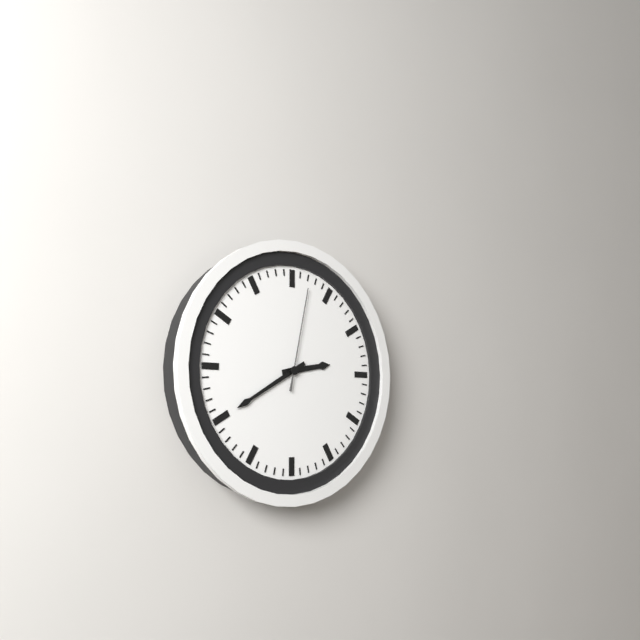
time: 2:40:02
